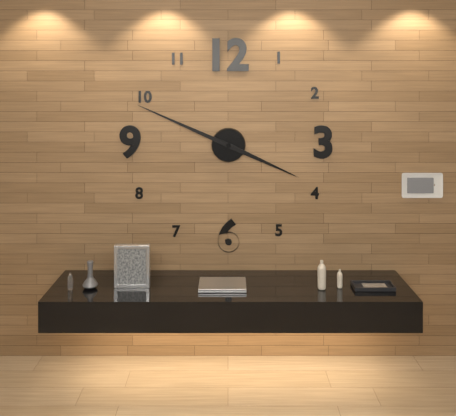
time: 3:49
